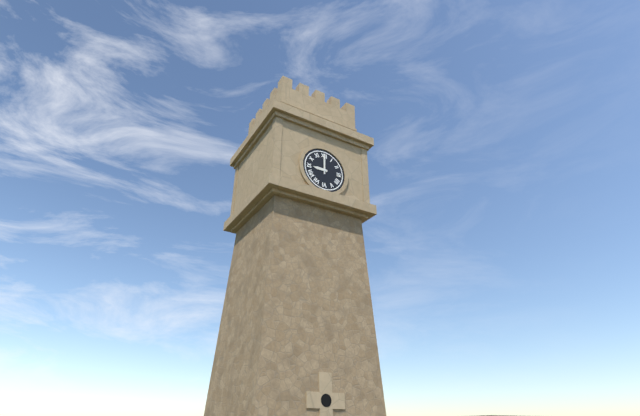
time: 9:00
